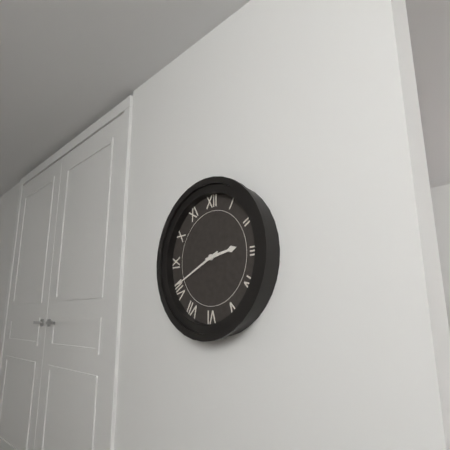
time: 2:41
